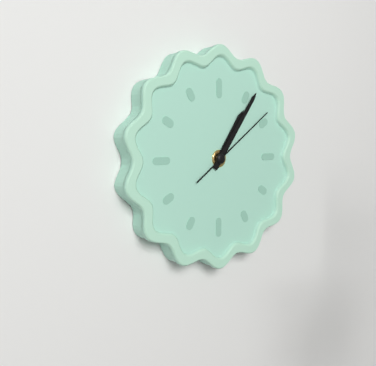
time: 1:06:09
